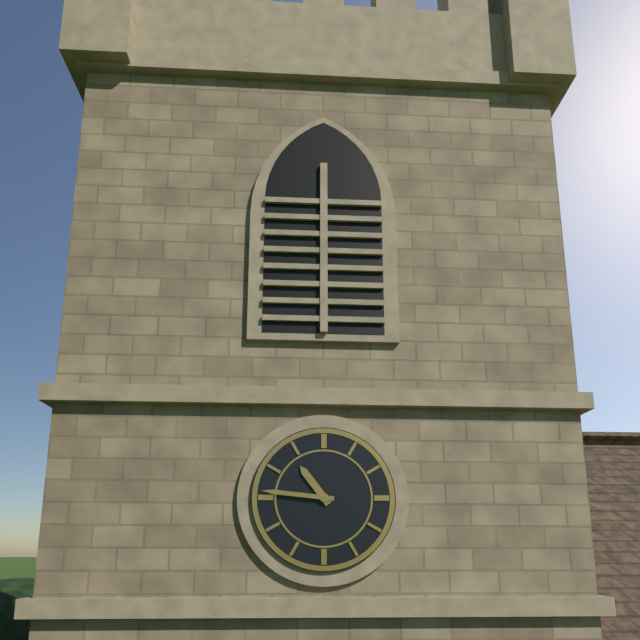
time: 10:46
